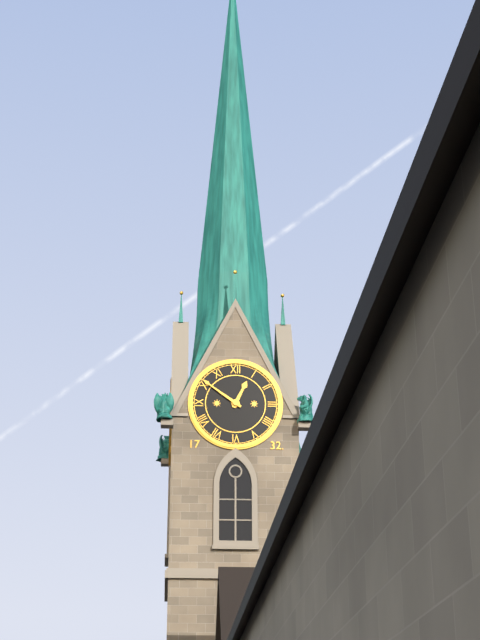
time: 12:51
